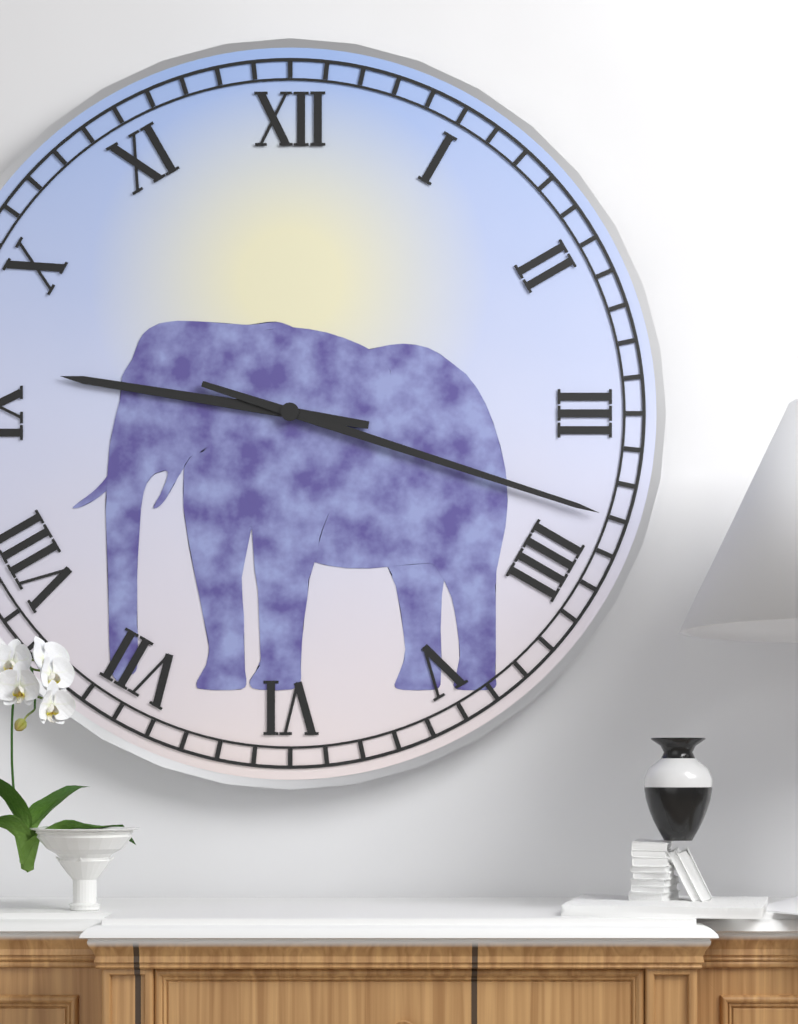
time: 9:18
